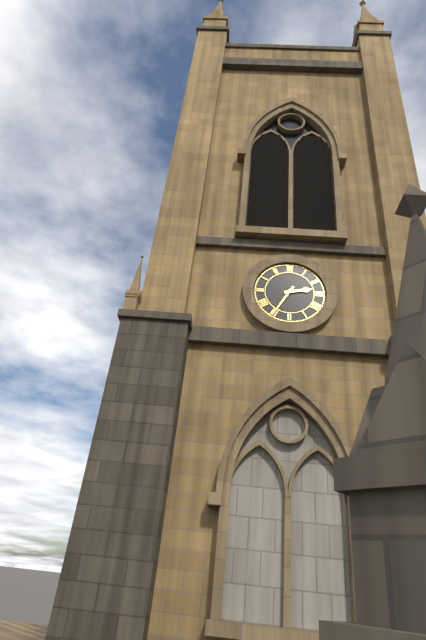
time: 2:35
